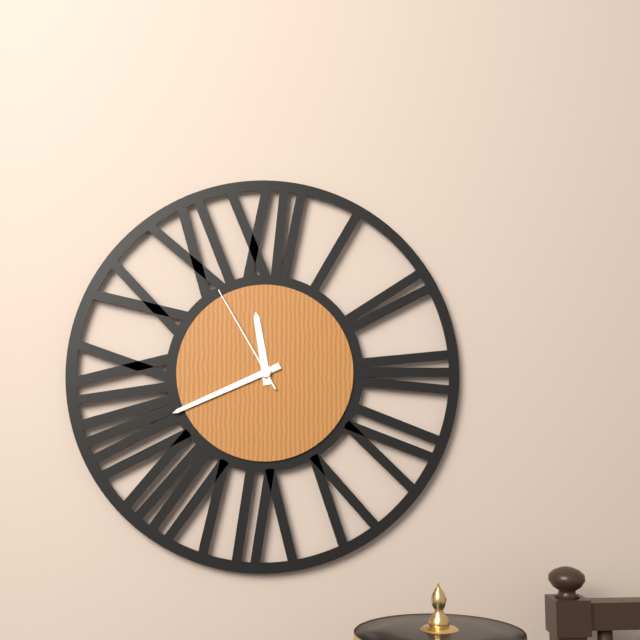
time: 11:41:55
